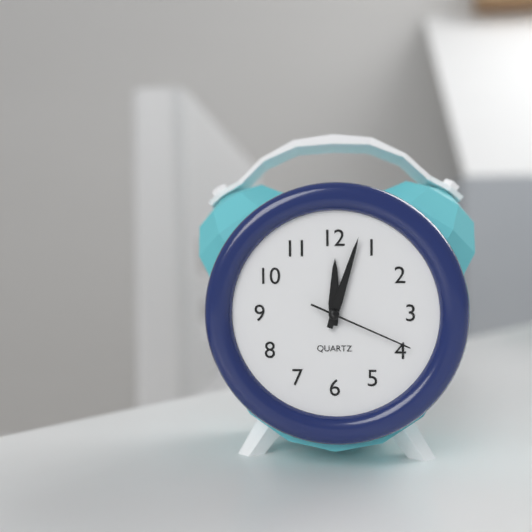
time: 12:03:19
